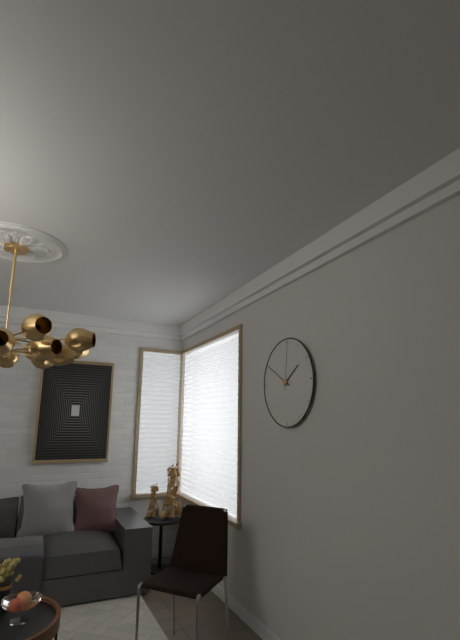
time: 1:50:01
